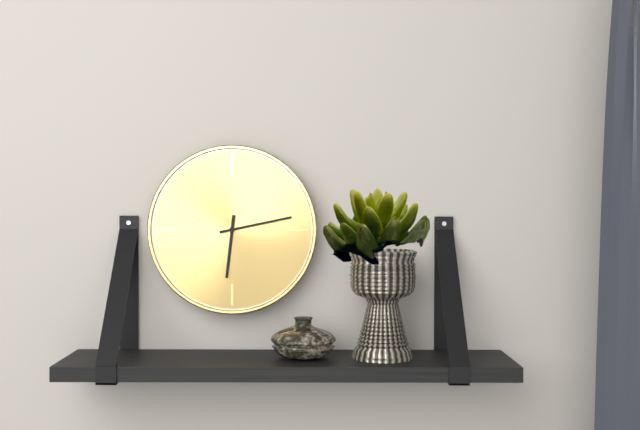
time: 6:13
